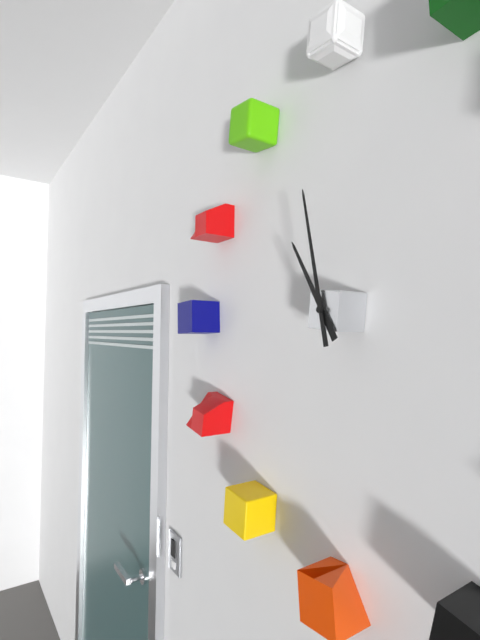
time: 10:58
